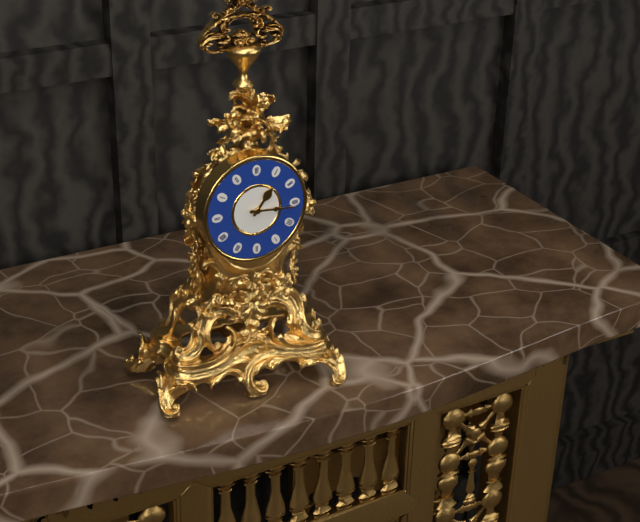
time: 1:16
